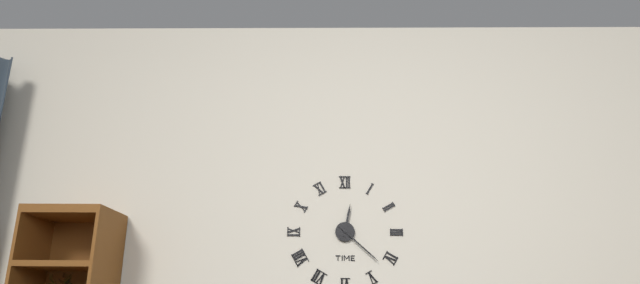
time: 12:22
